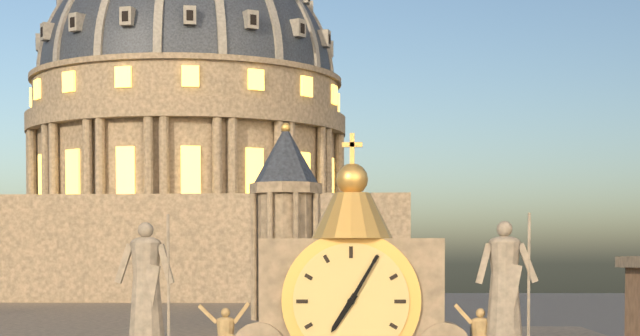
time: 7:05
